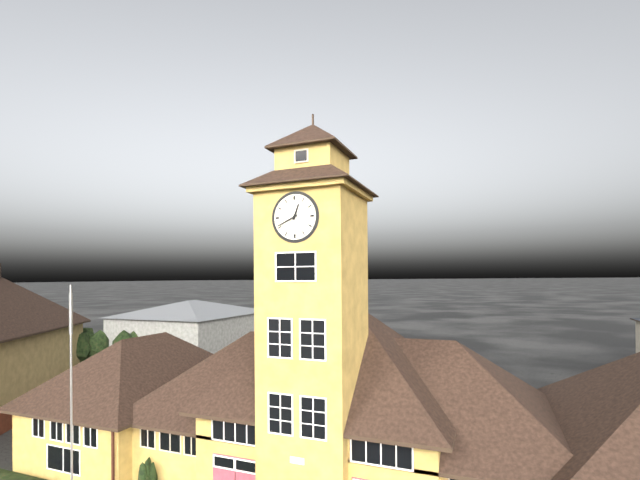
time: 12:41
